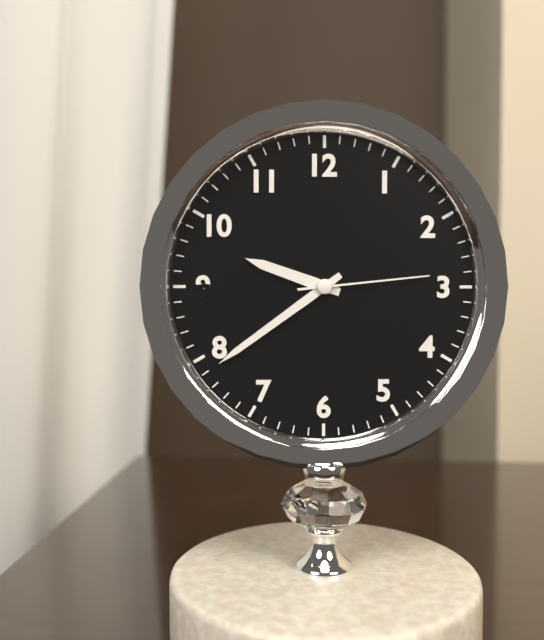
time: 9:39:14
